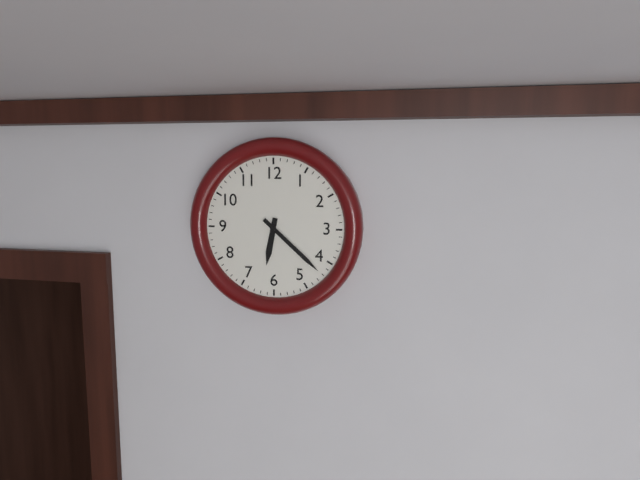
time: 6:22
